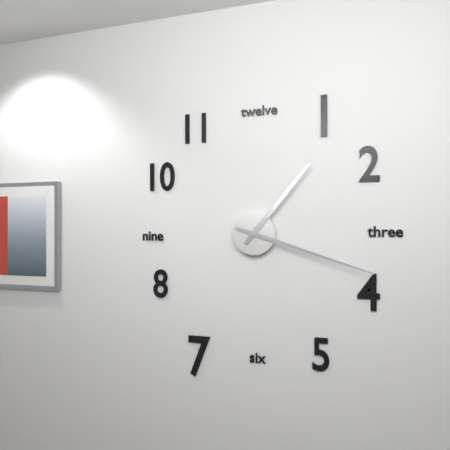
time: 1:18
